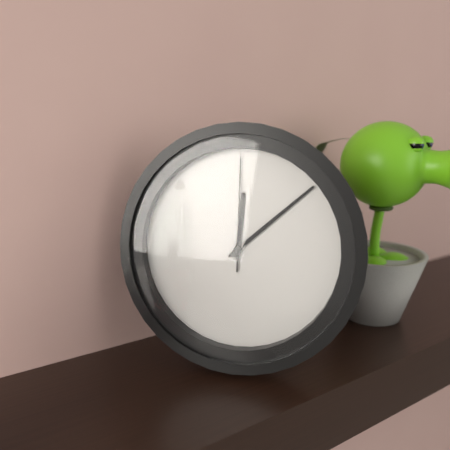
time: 12:08:00
